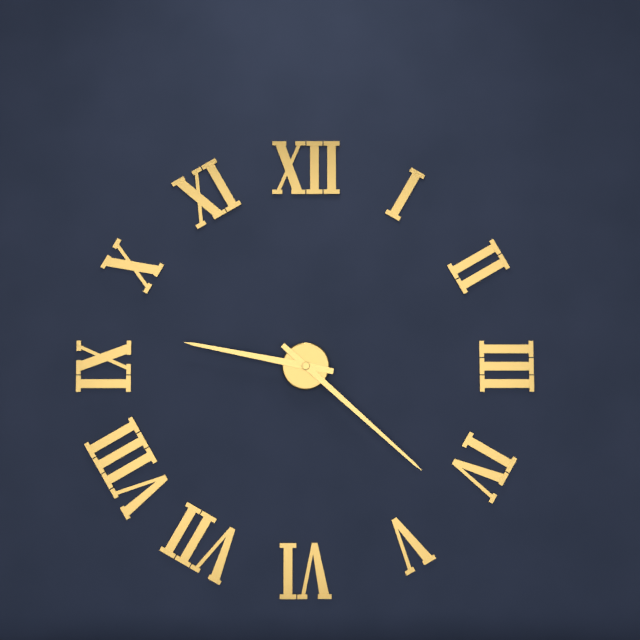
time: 9:22
